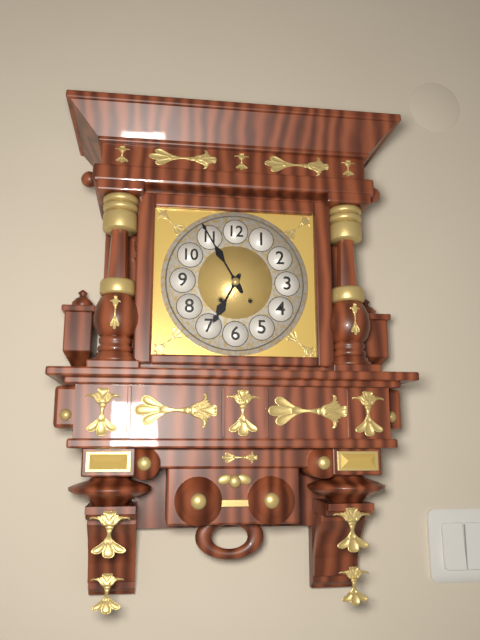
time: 6:55
